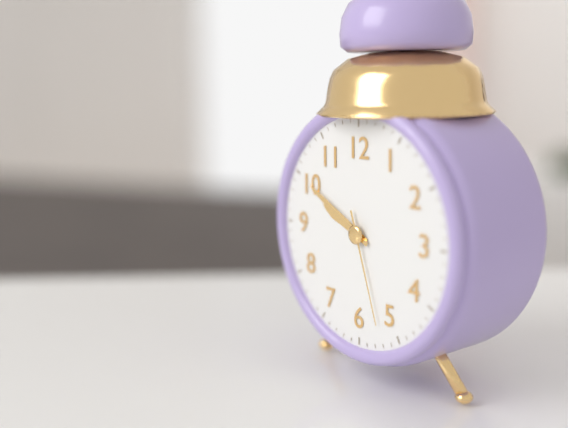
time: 9:50:27
